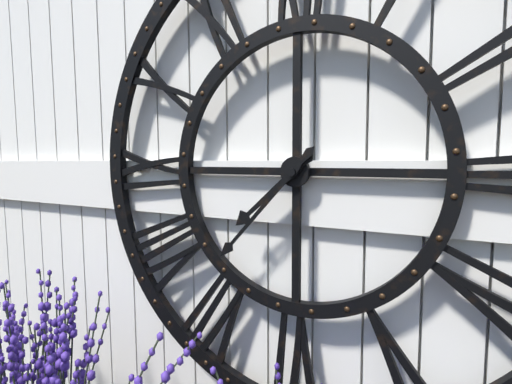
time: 7:37
